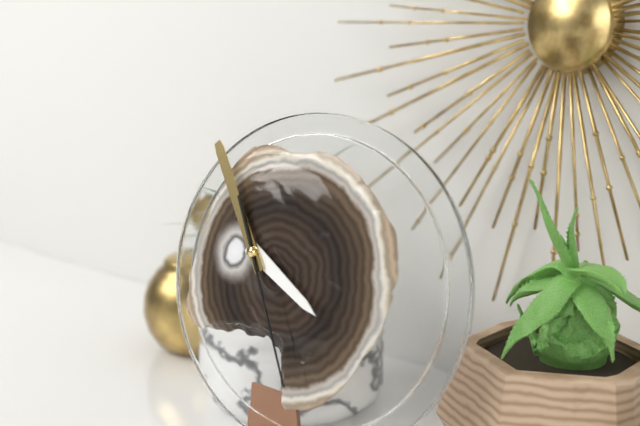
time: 3:54:25
